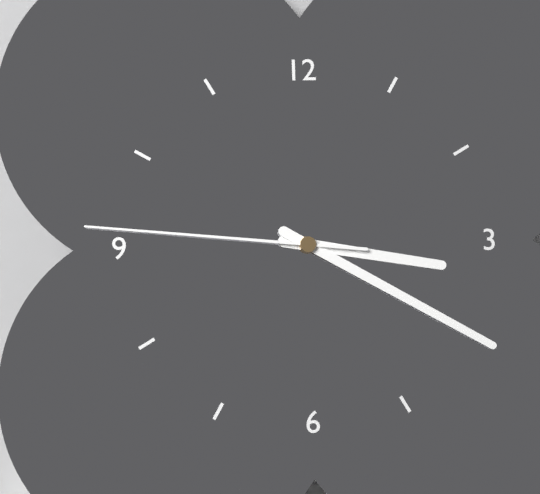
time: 3:20:46
